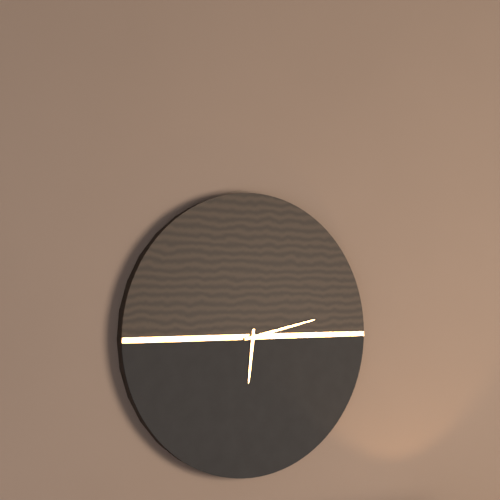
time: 6:13
